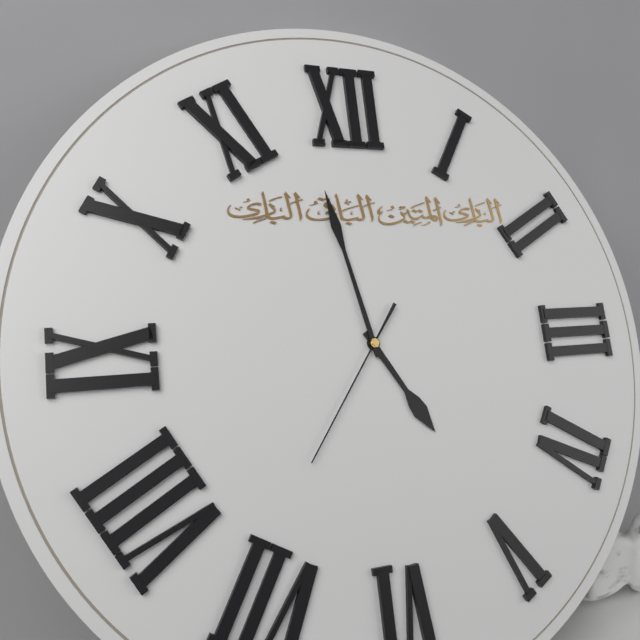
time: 4:58:36
